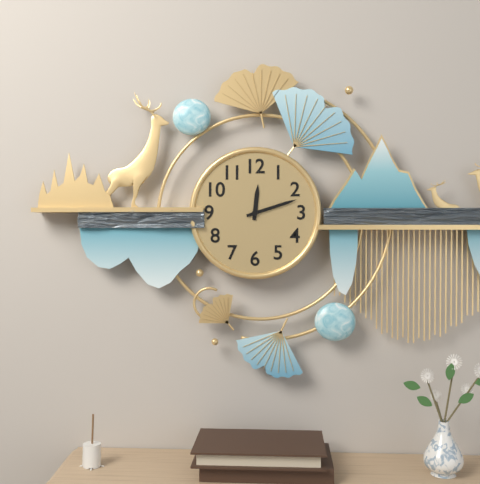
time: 12:12
